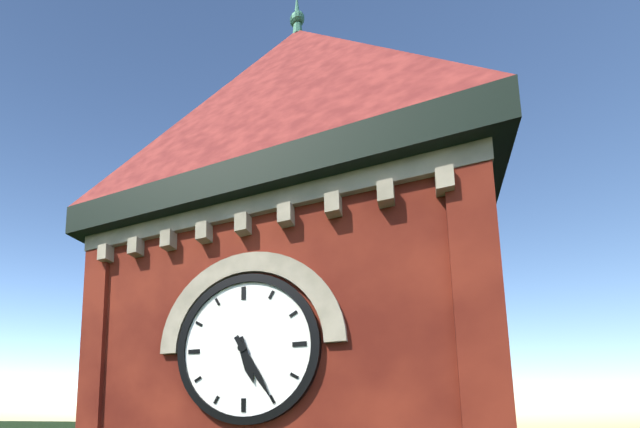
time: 5:25
